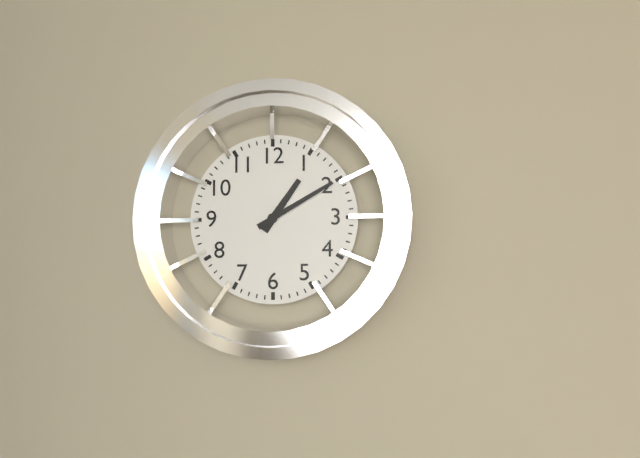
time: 1:10
